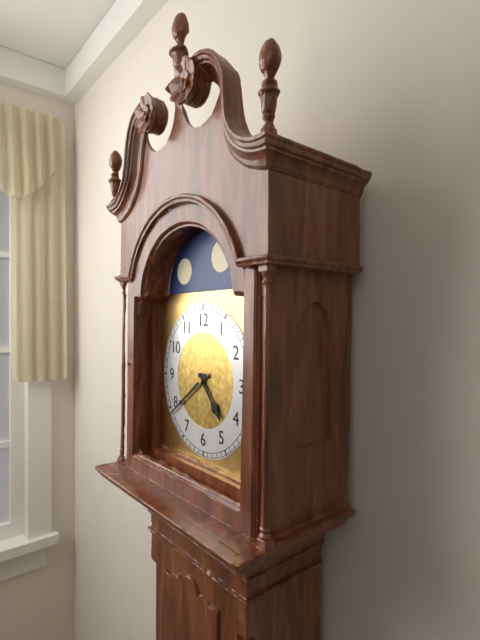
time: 4:39
